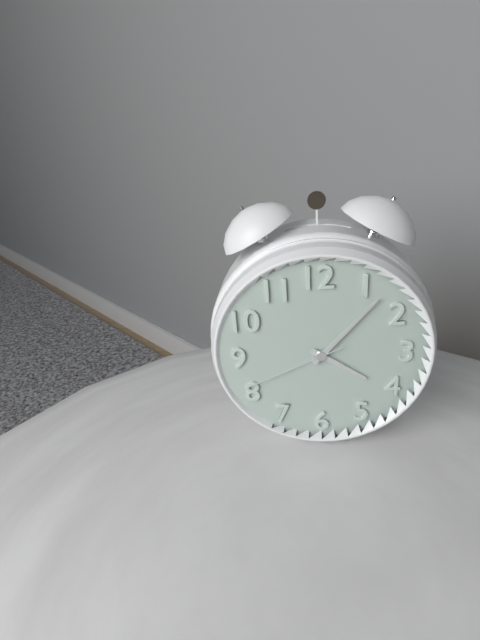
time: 4:07:41
